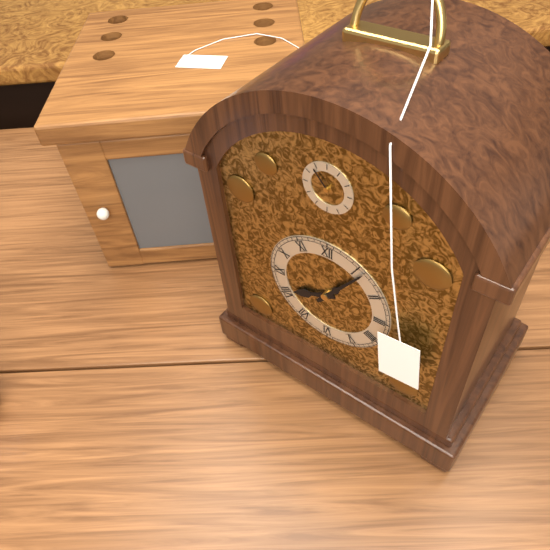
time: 8:06
